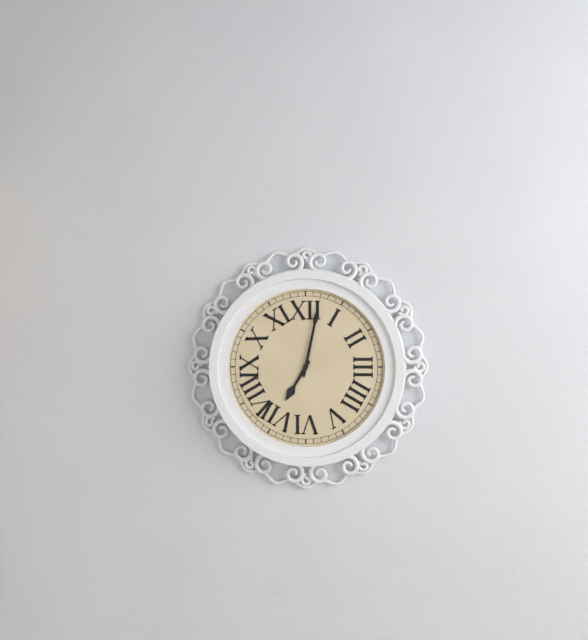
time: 7:02
